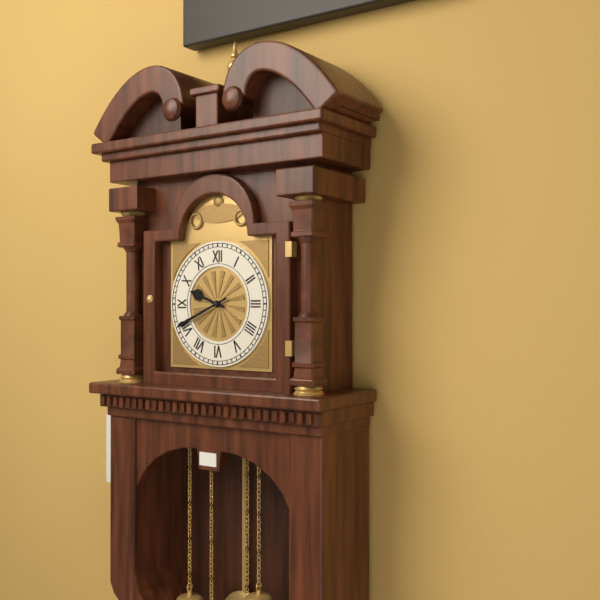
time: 9:41
